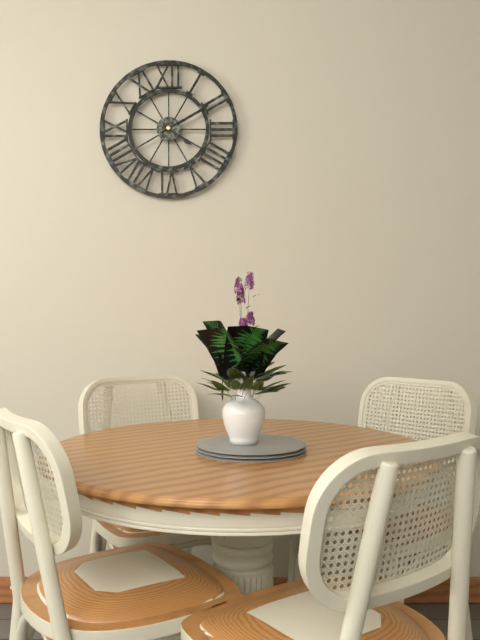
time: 4:10
